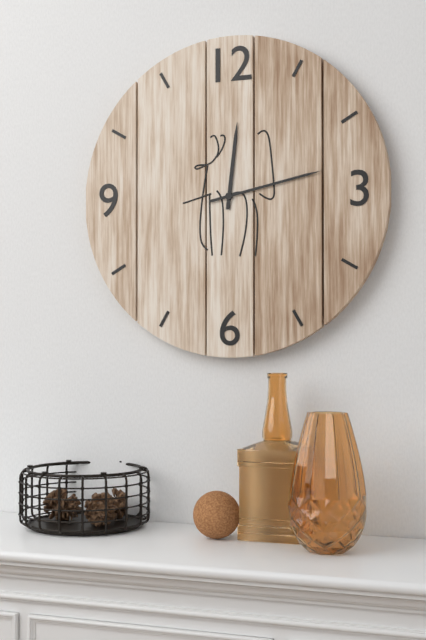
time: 12:13
